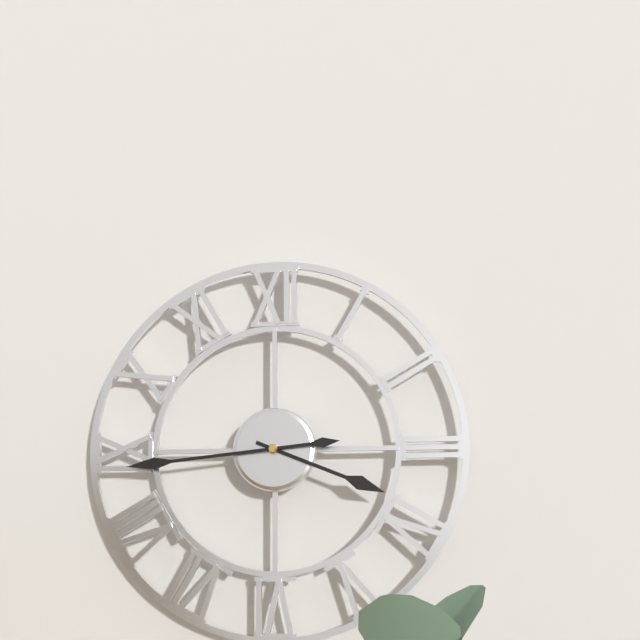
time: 3:44
